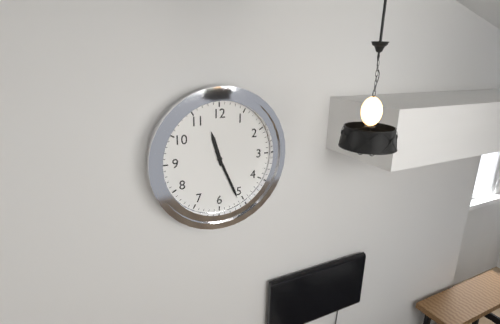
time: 11:26
